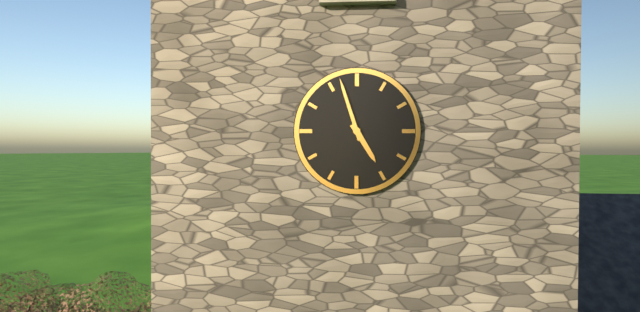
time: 4:57
